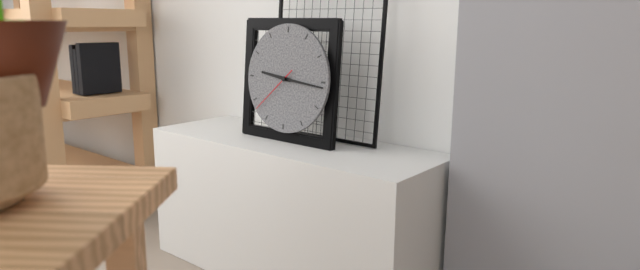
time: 9:16:38
